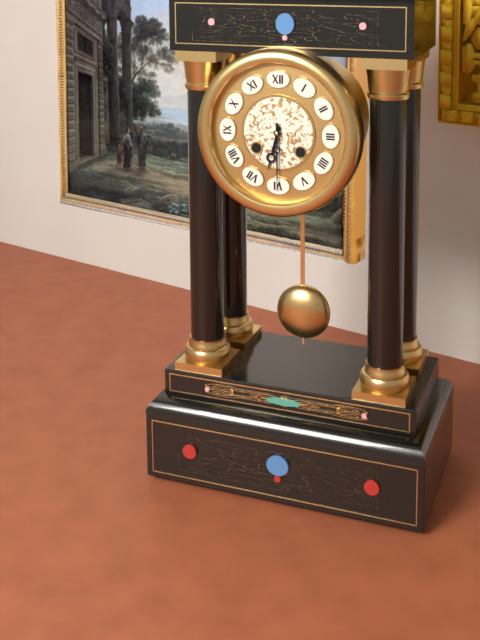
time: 6:30
